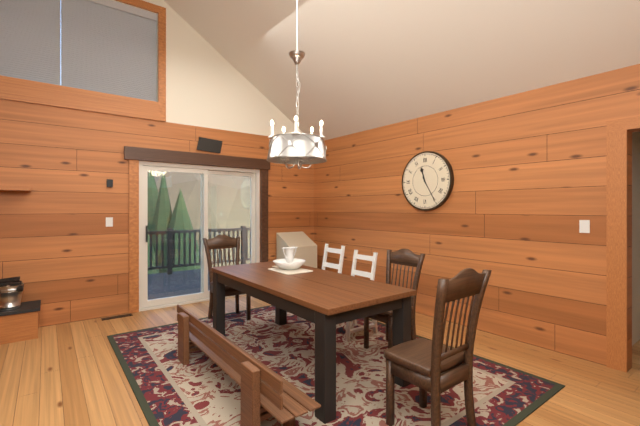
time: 11:25
